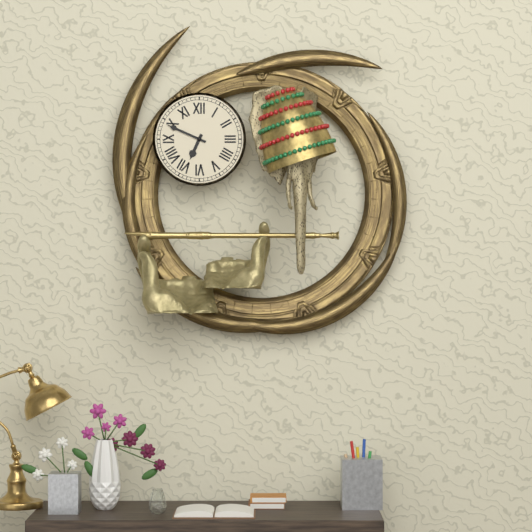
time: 6:49
